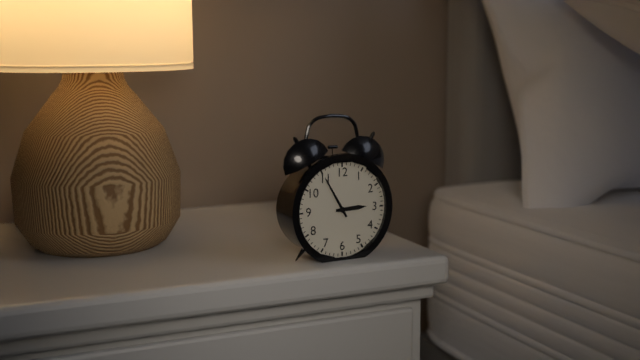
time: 2:55
